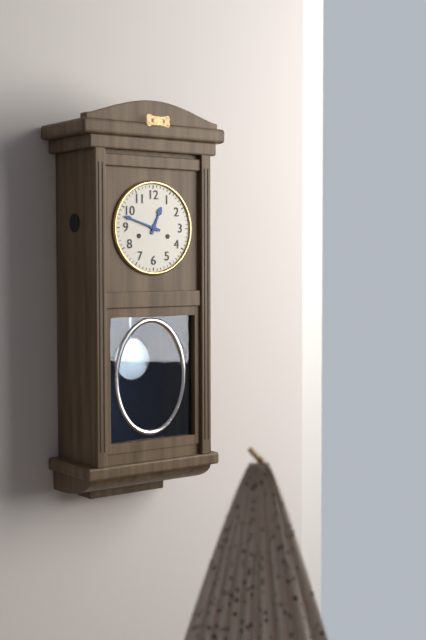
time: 12:48
